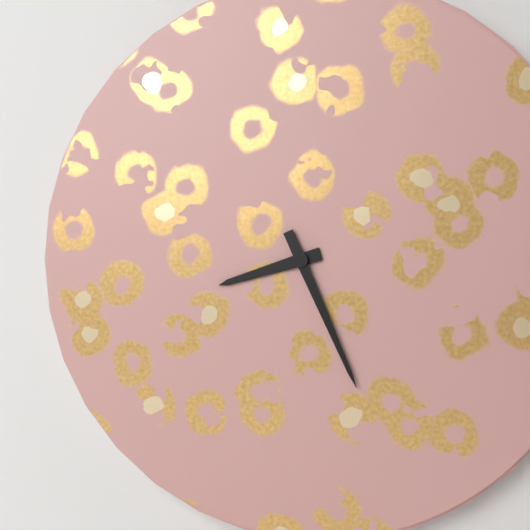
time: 8:26
